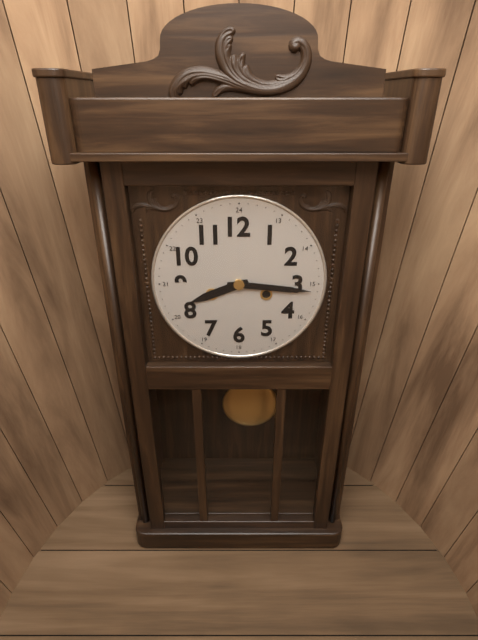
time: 8:16
